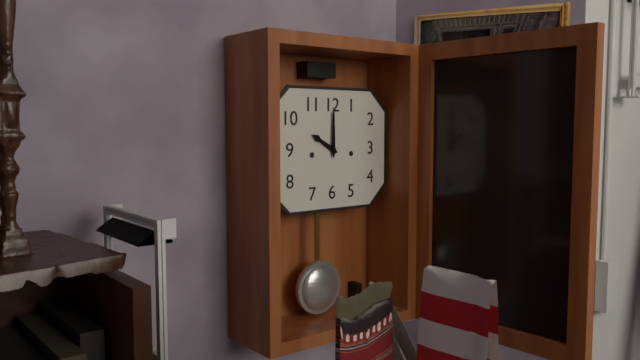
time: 10:00
